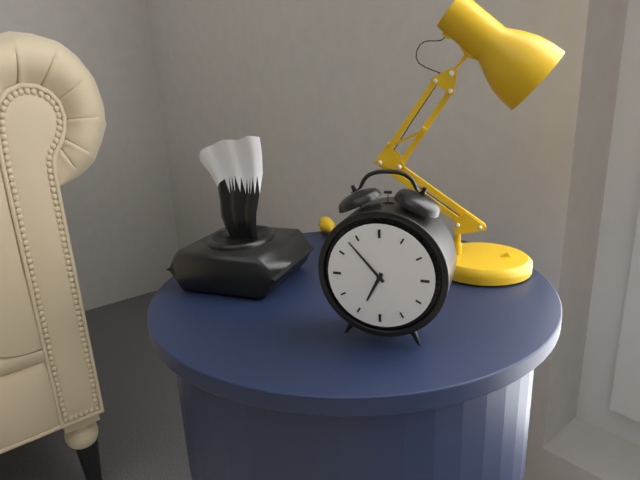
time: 6:53
